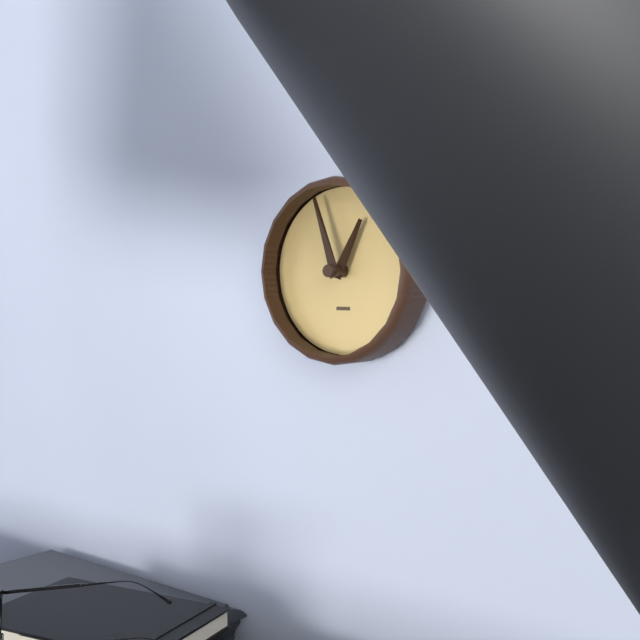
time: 12:57
